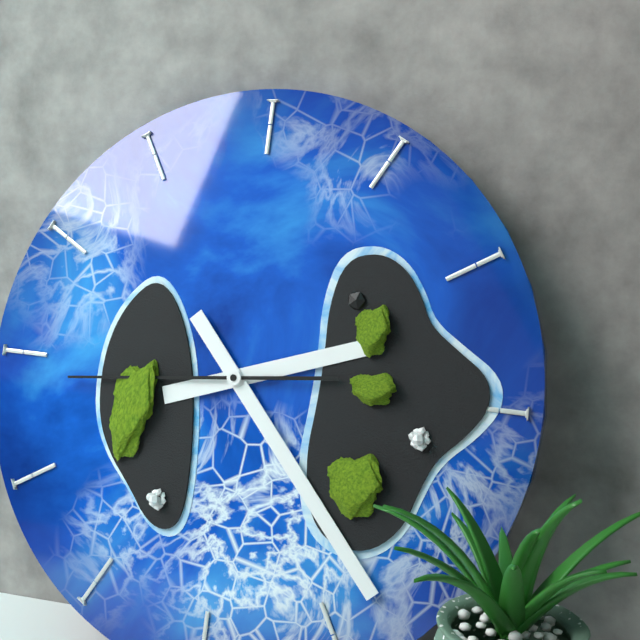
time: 2:23:44
